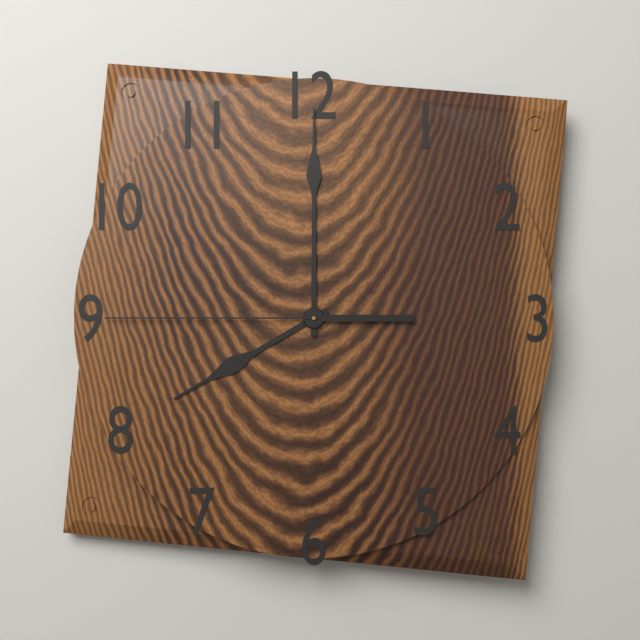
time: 8:00:45
